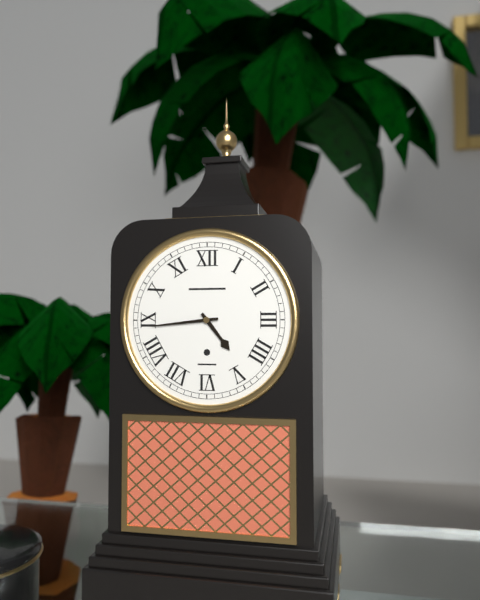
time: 4:44
